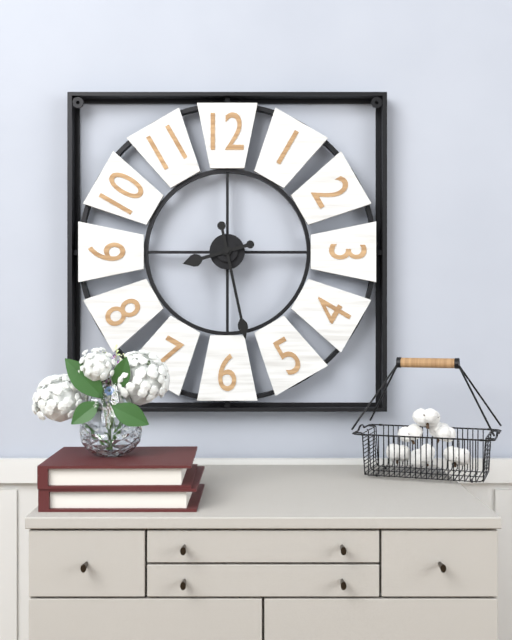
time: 8:28
